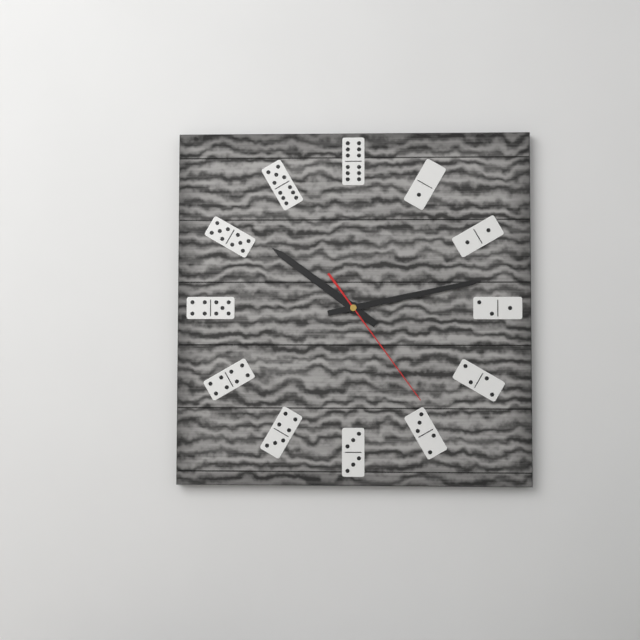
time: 10:13:24
